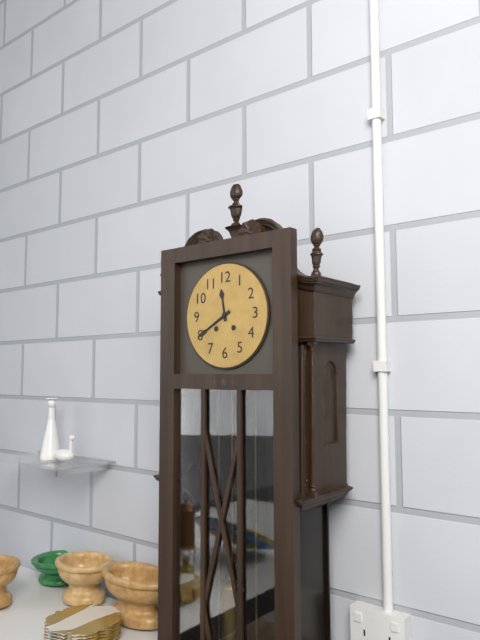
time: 11:40
